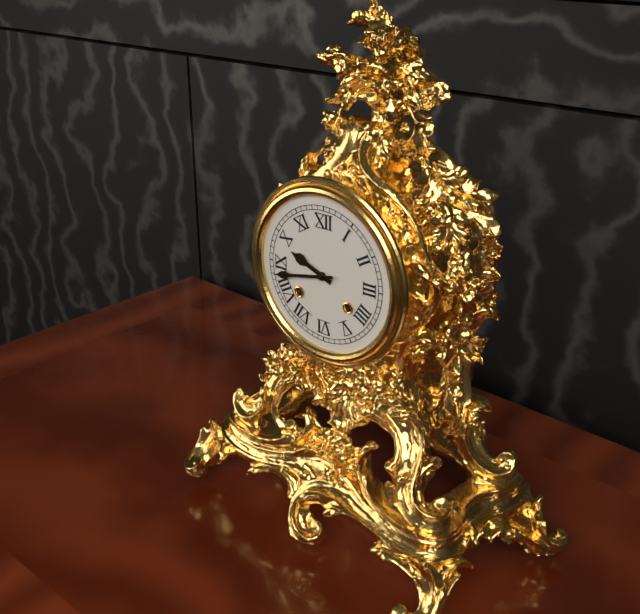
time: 9:43
